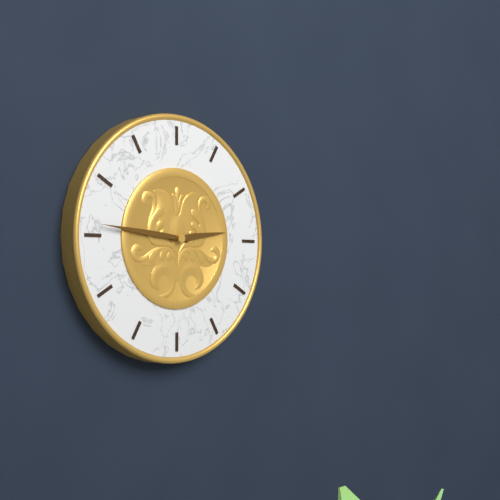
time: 2:46
